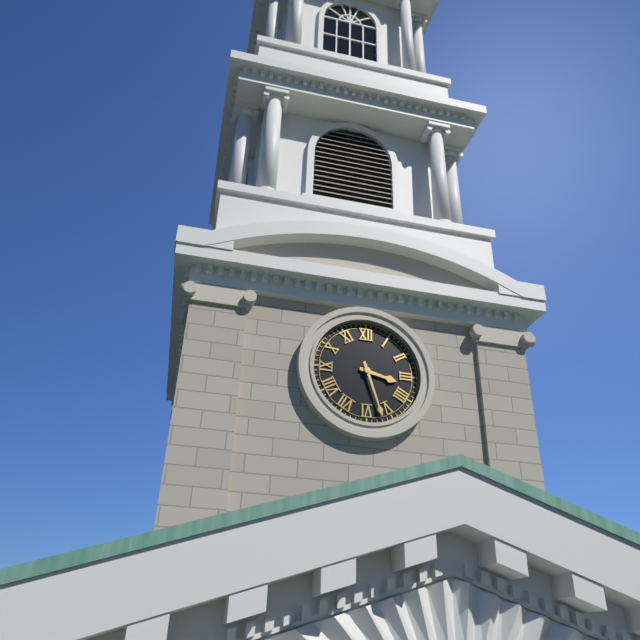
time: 3:27
